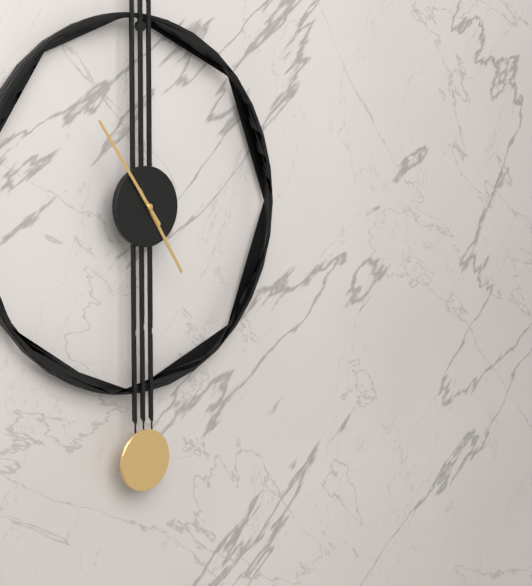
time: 4:54
